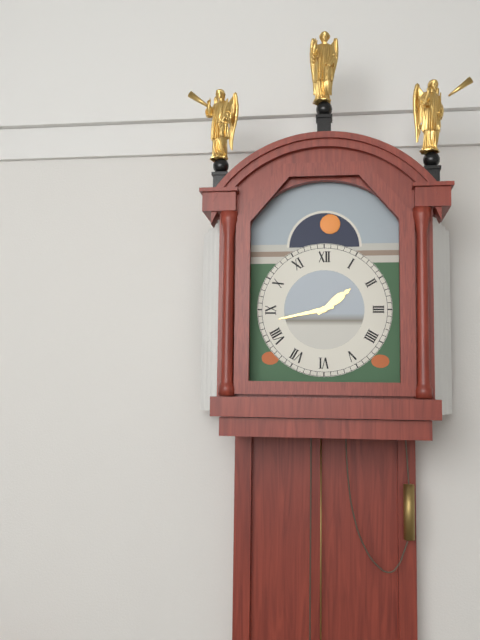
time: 1:43
